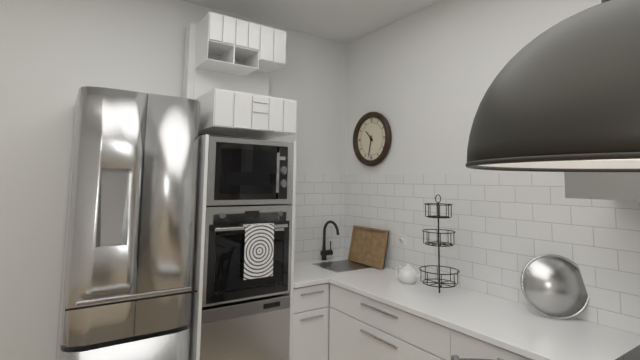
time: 10:32
